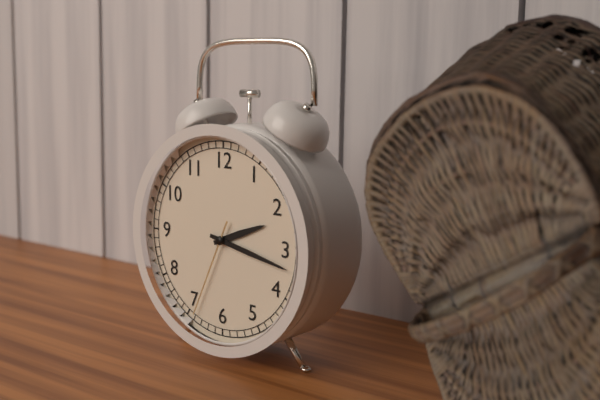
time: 2:17:34
